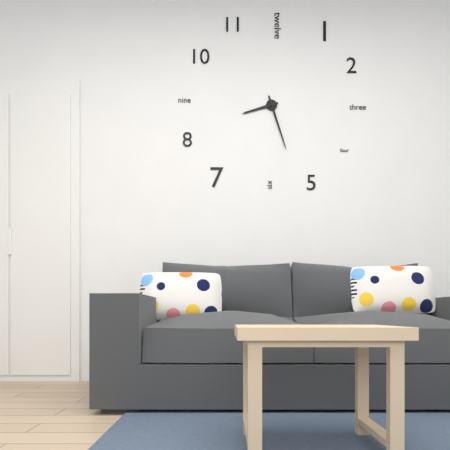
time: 8:27
